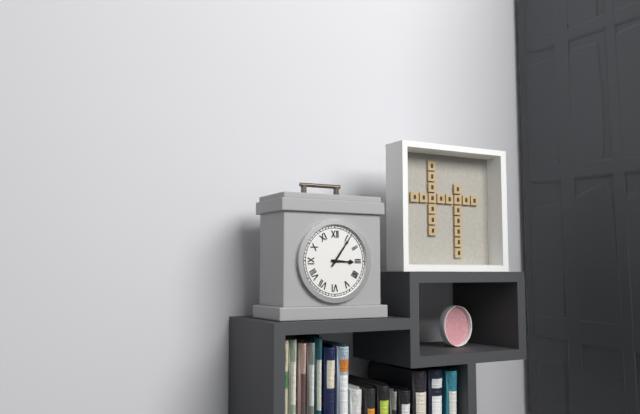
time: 3:06
